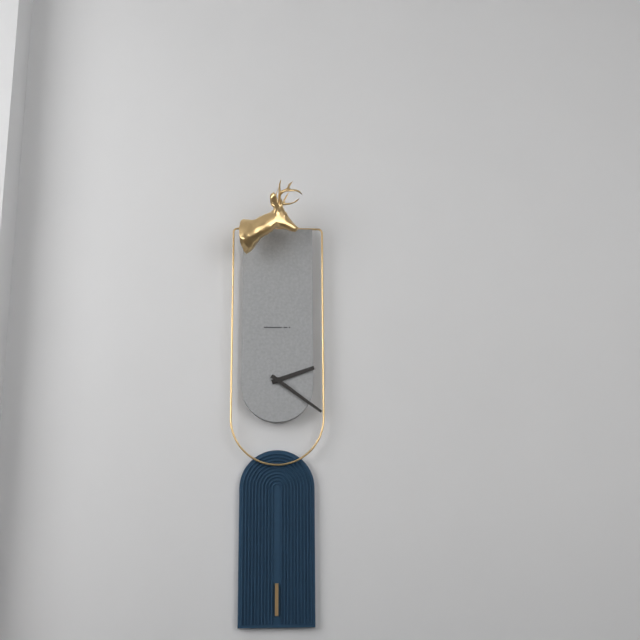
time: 2:21
